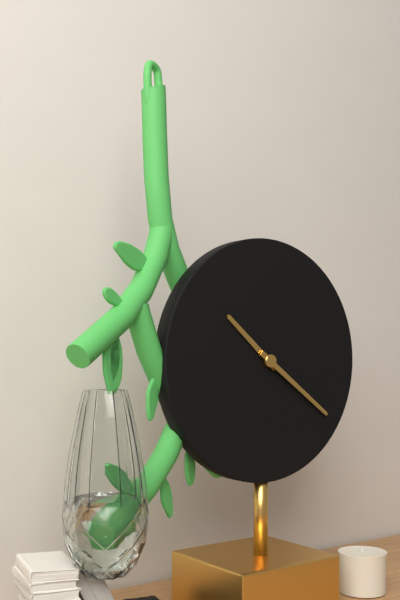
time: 10:21
